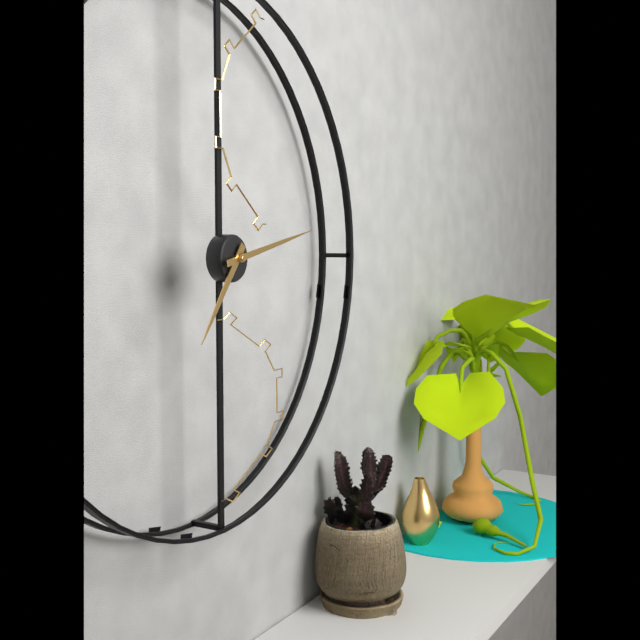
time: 7:13
